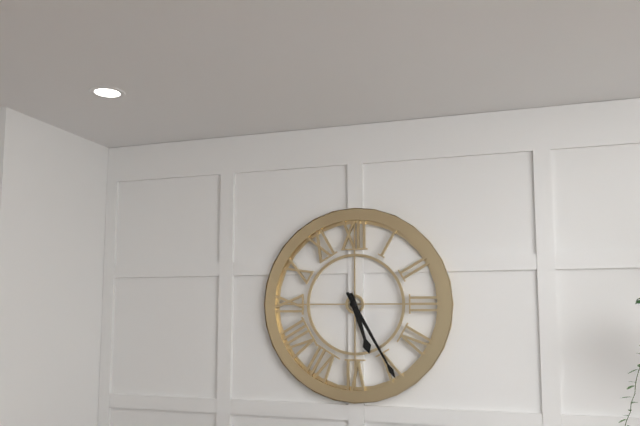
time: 5:25
